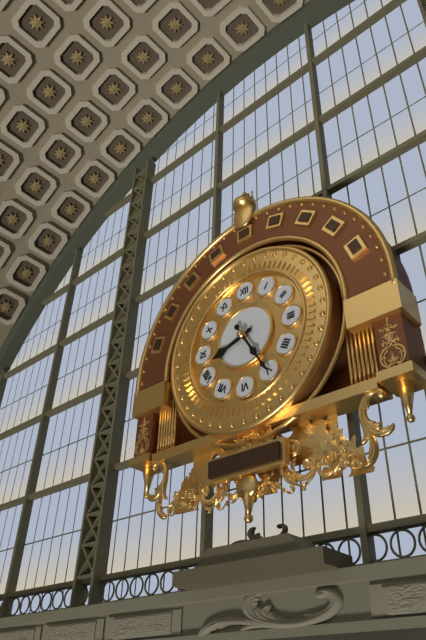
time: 8:25
